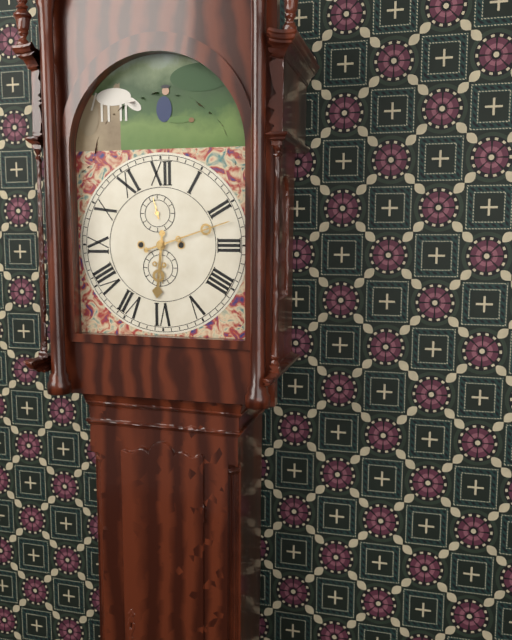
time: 6:12
